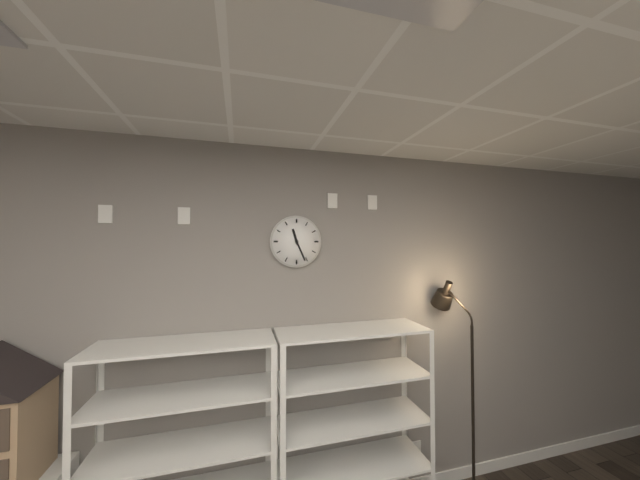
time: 11:26
